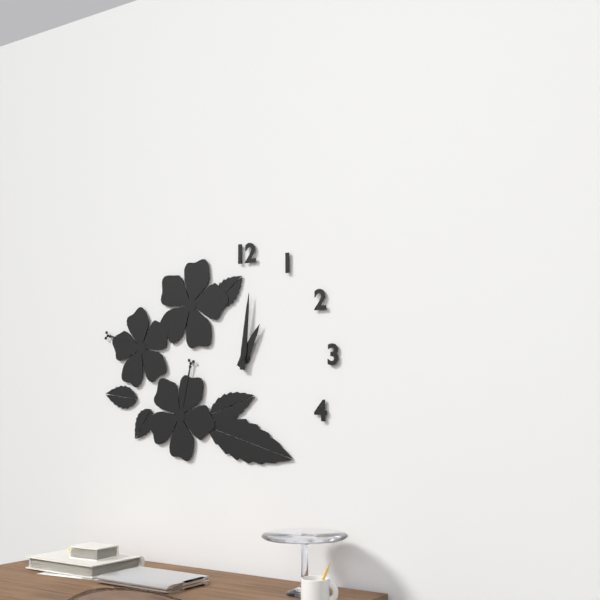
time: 1:01
